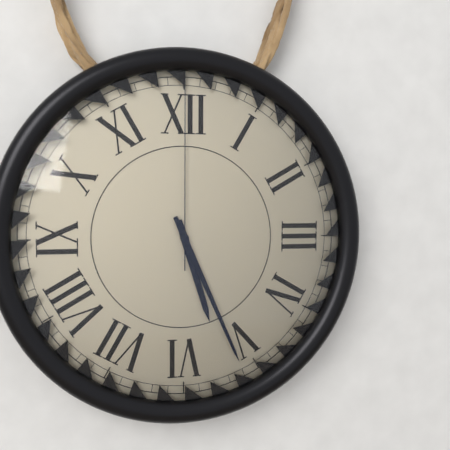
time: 5:26:00
